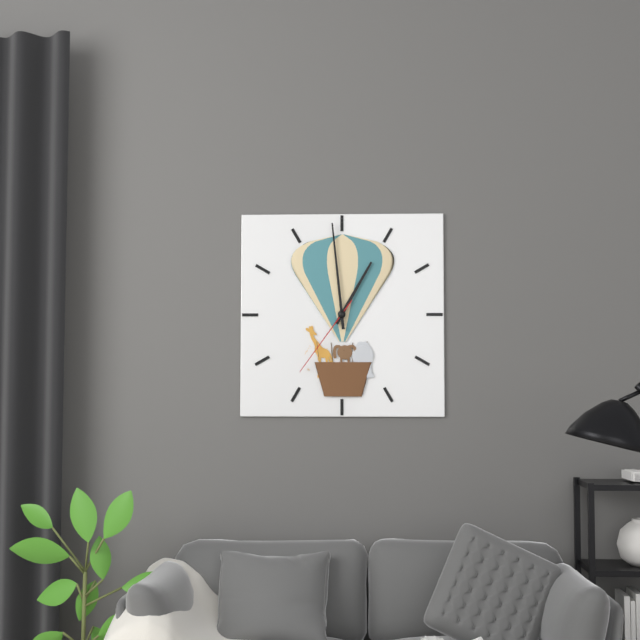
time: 12:59:36
